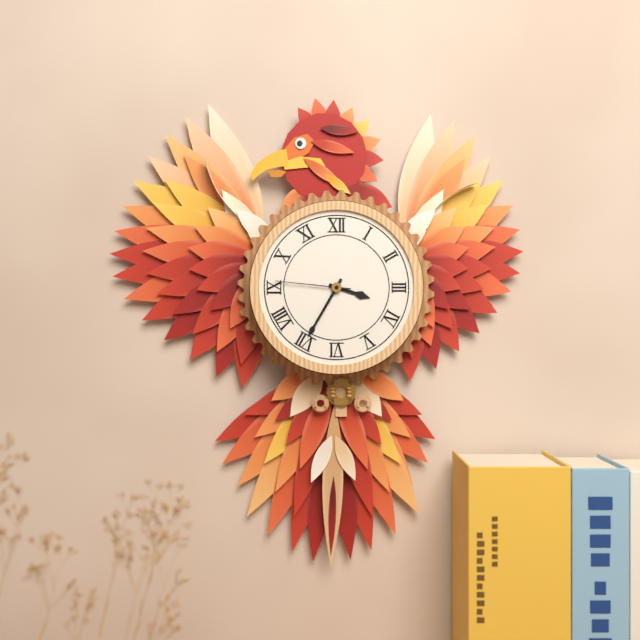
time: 3:35:46
